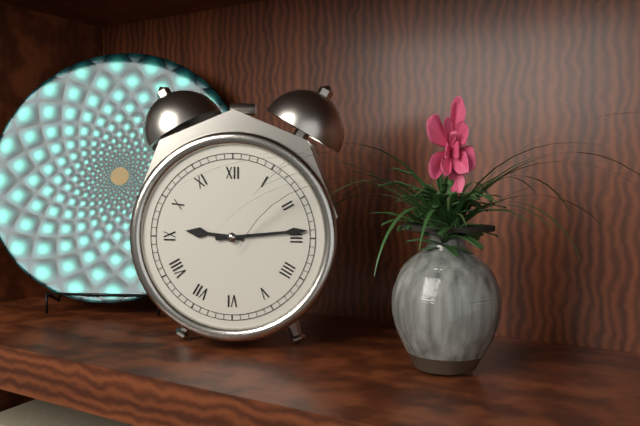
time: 9:14
